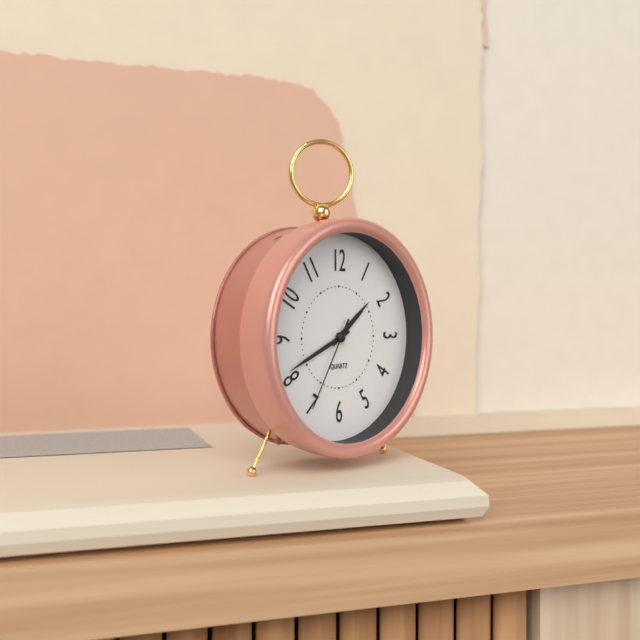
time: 1:41:35
